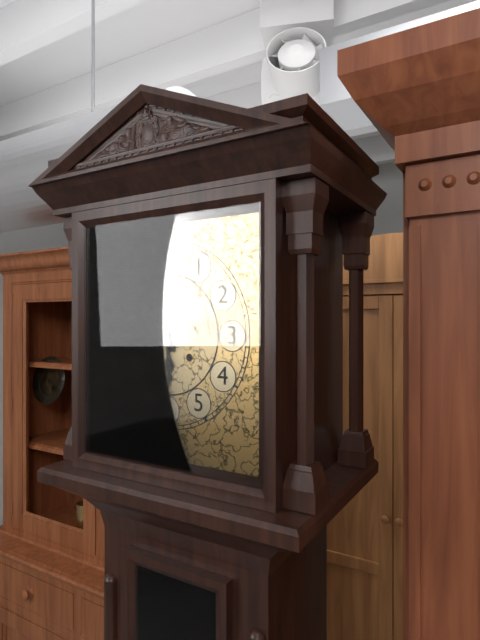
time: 5:56
